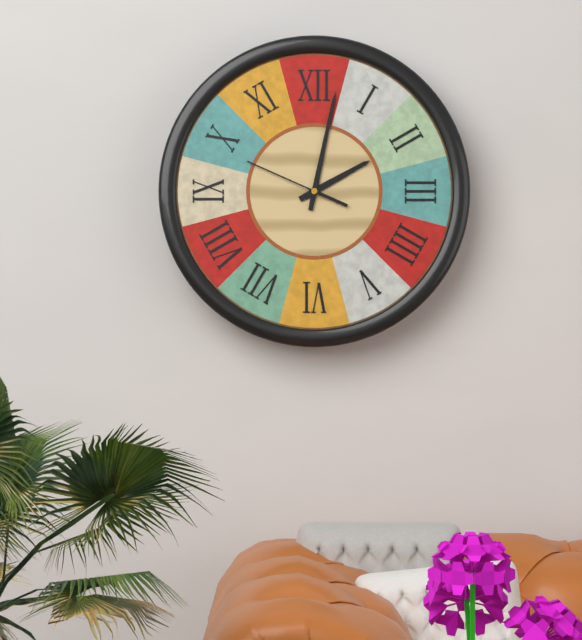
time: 2:02:49
